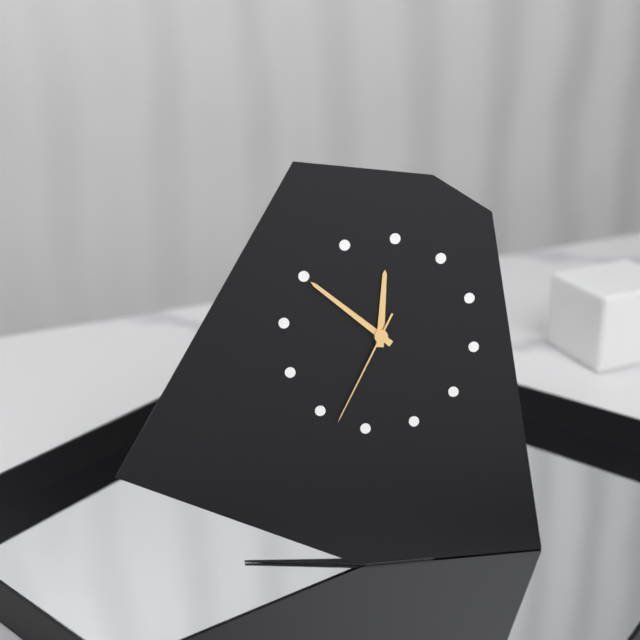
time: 11:50:33
